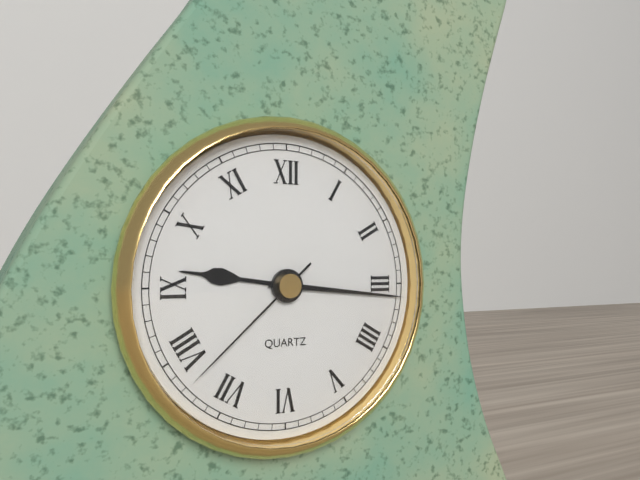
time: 9:16:38
